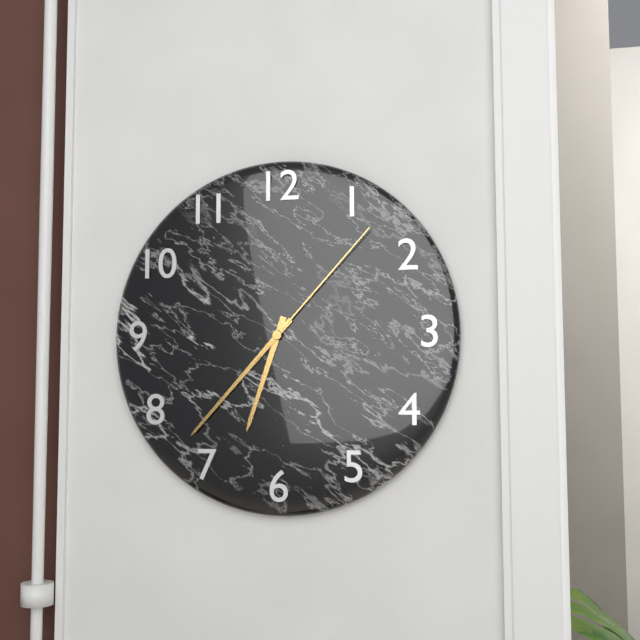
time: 6:37:07
